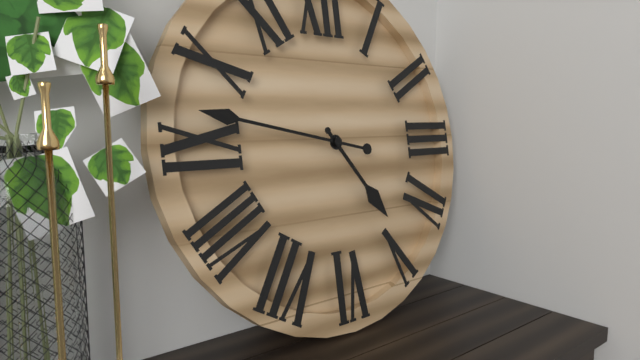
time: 4:47
